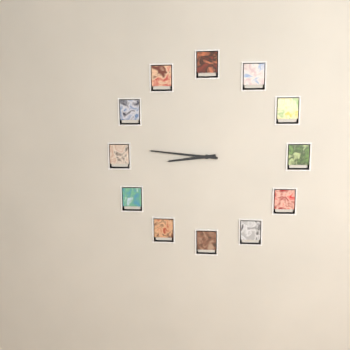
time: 8:46
